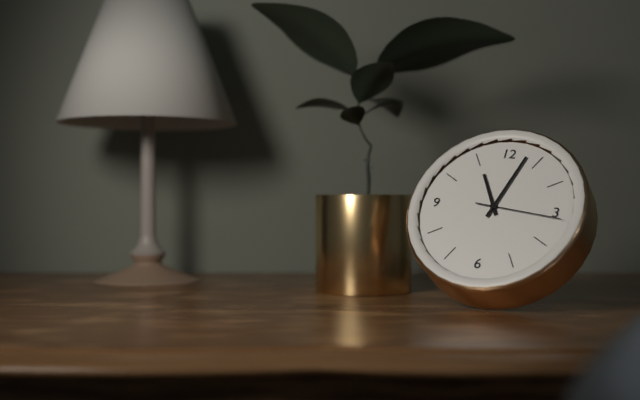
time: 11:03:16
